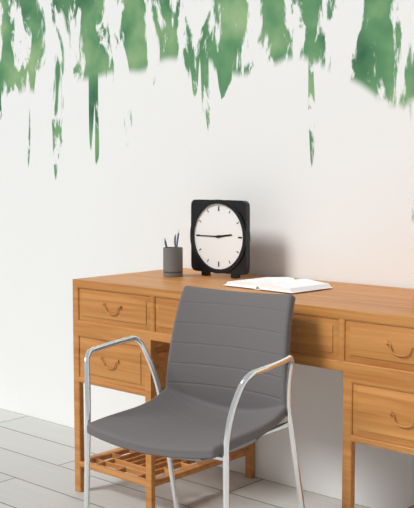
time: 2:45
